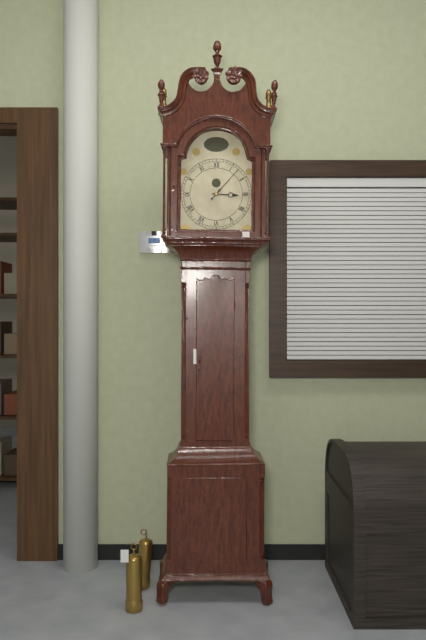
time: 3:07
